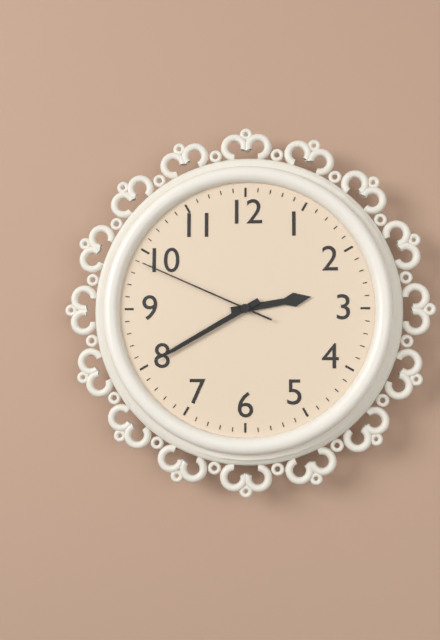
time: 2:40:49
